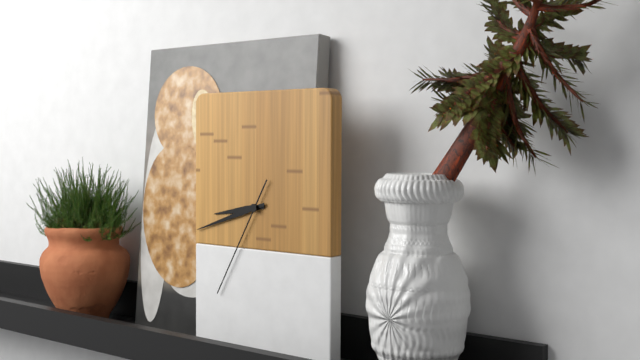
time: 8:42:35
